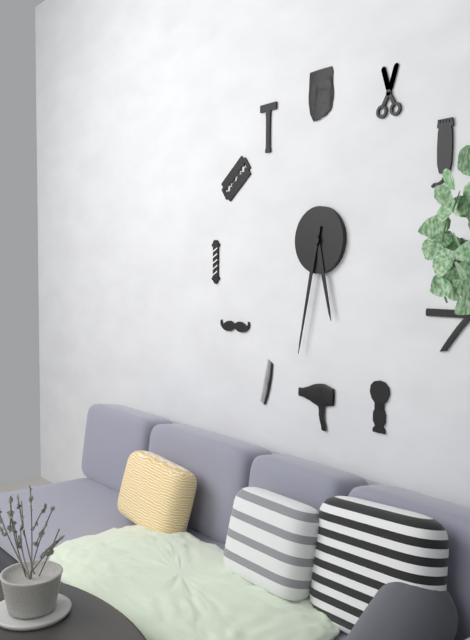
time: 5:32
